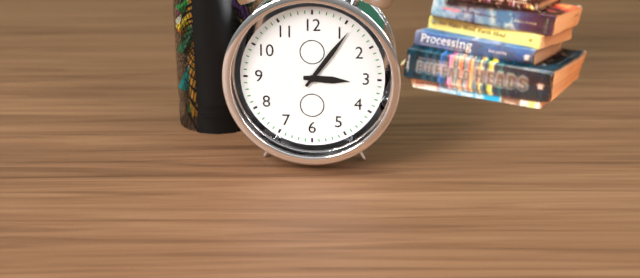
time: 3:06
